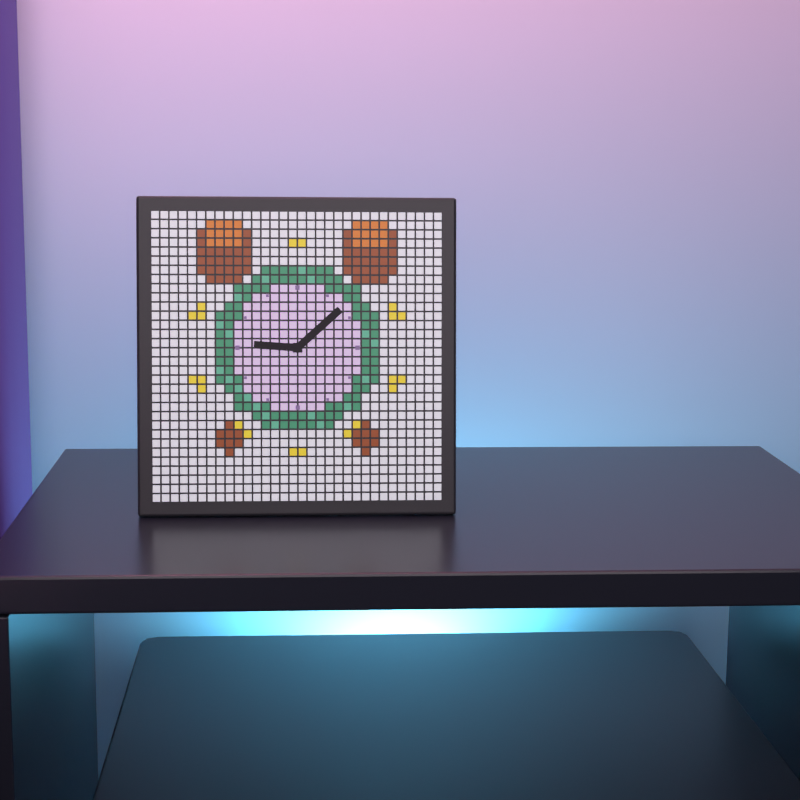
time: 9:08
